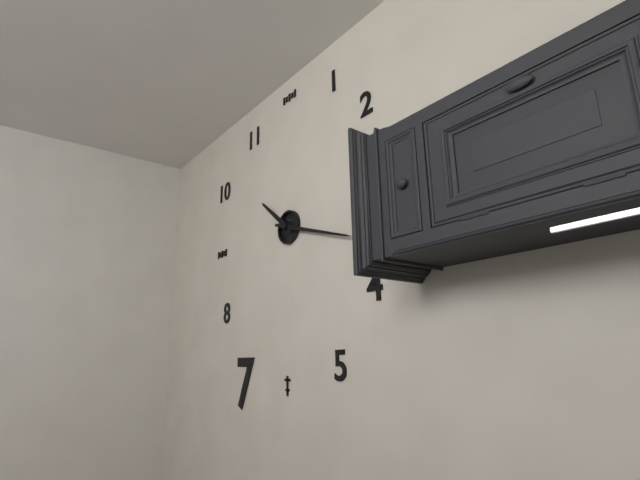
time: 10:18
